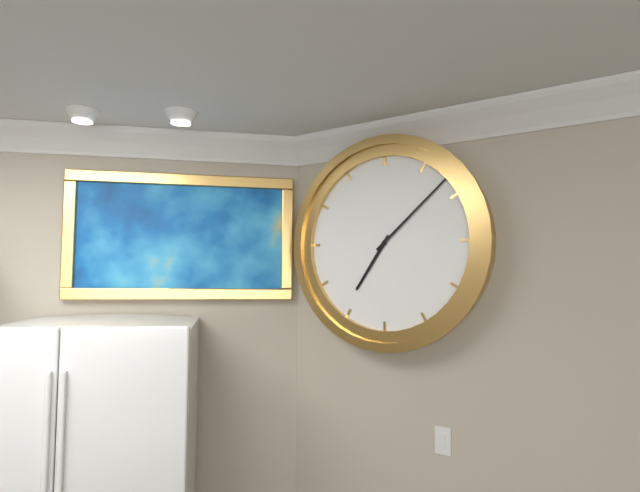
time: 7:08
